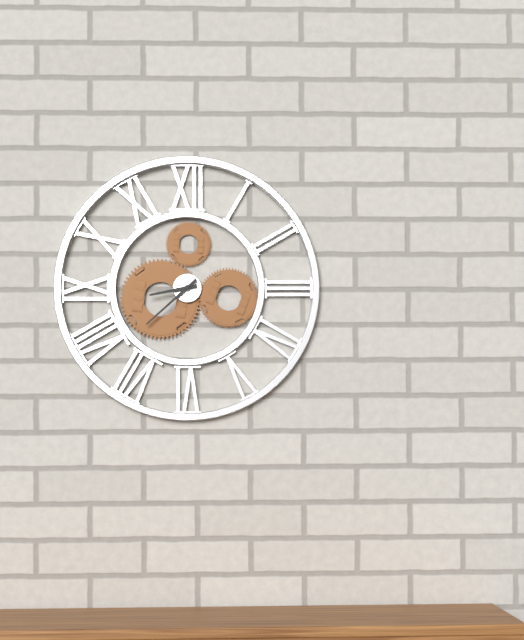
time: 8:38
